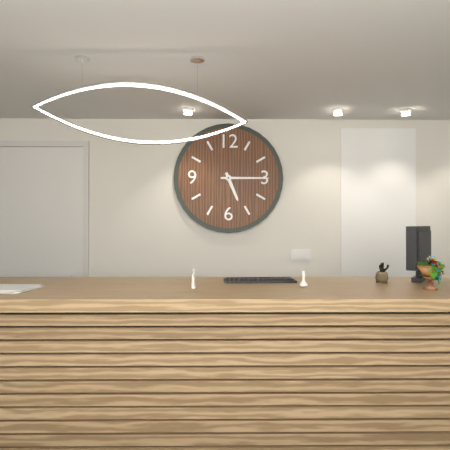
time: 5:15
